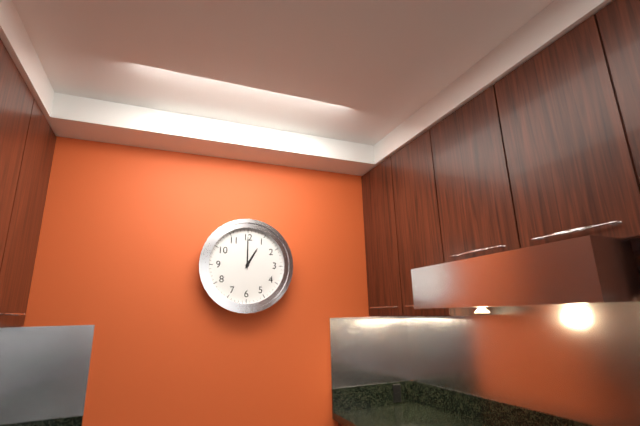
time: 1:00
